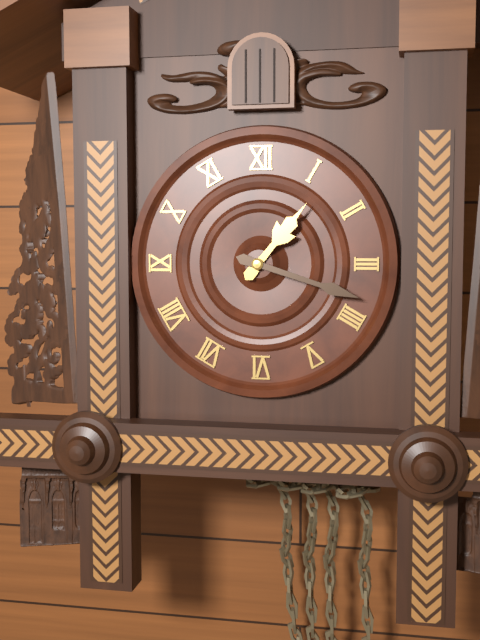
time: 1:18
